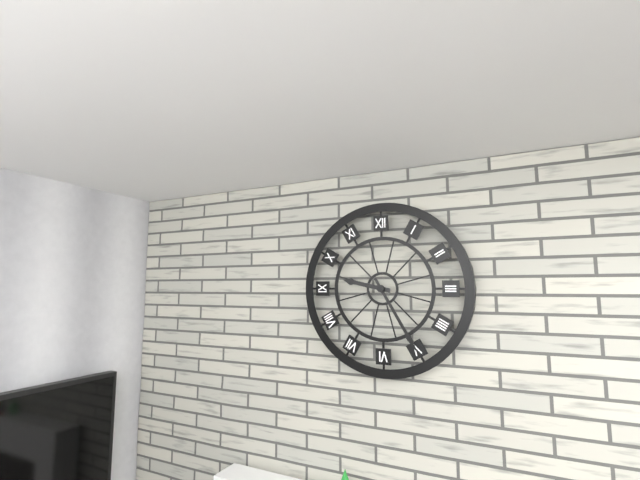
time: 9:25
